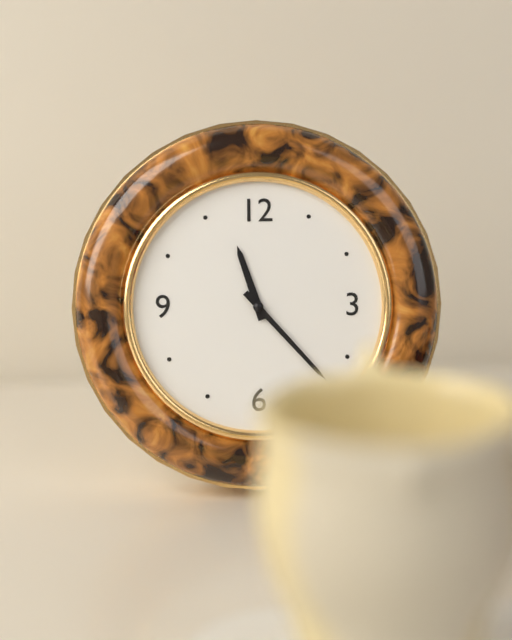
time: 11:23
